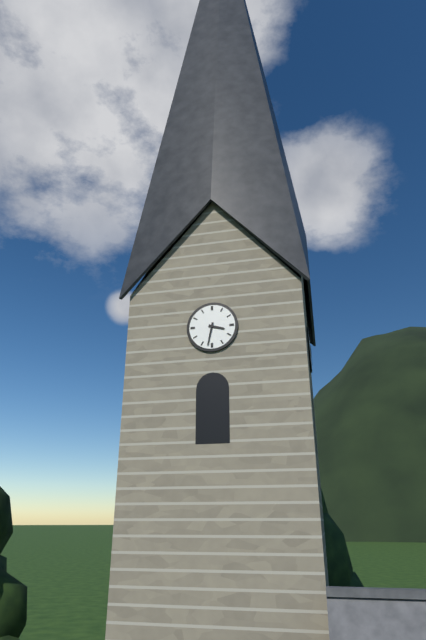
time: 3:32
